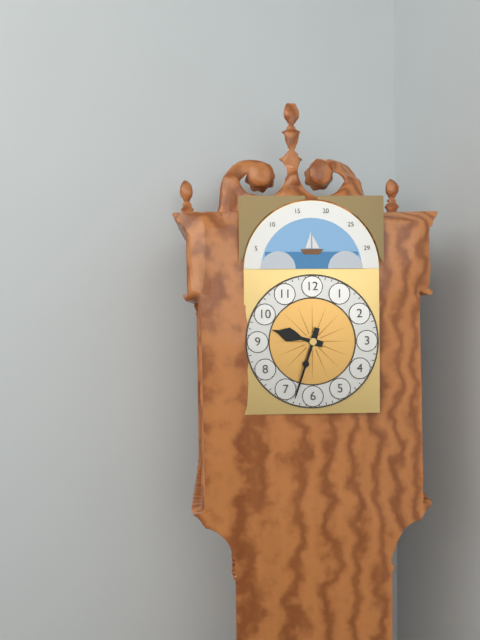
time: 9:33
